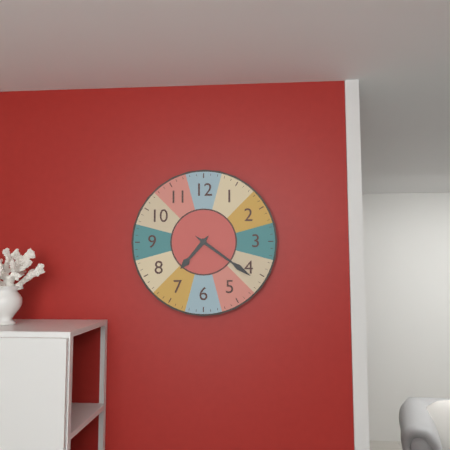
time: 7:21
